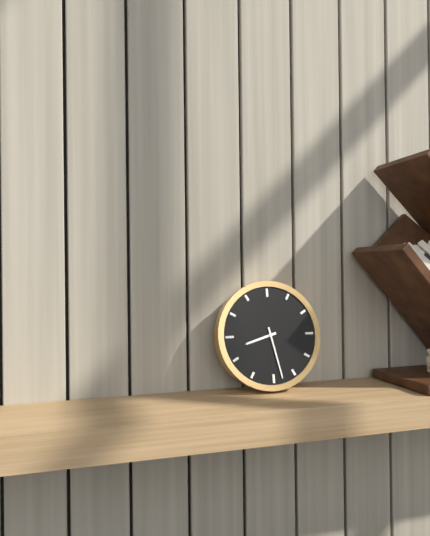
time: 8:28
